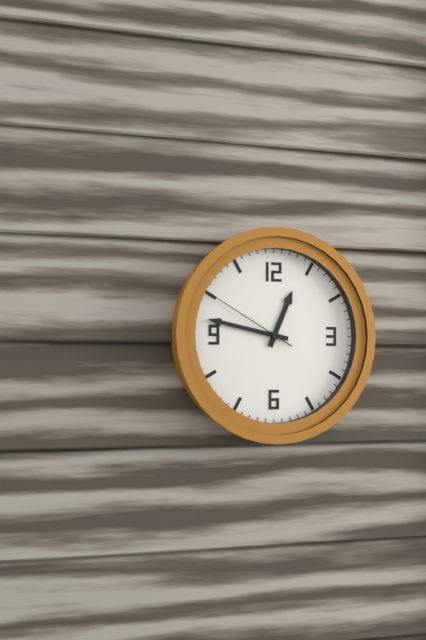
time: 12:47:50
